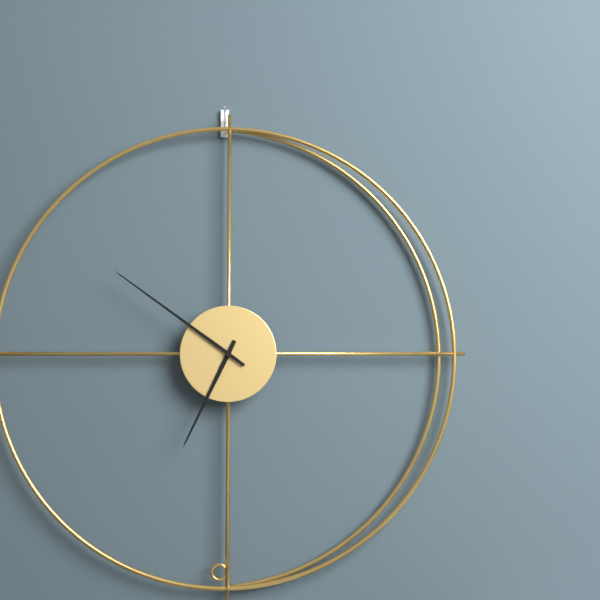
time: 6:51
